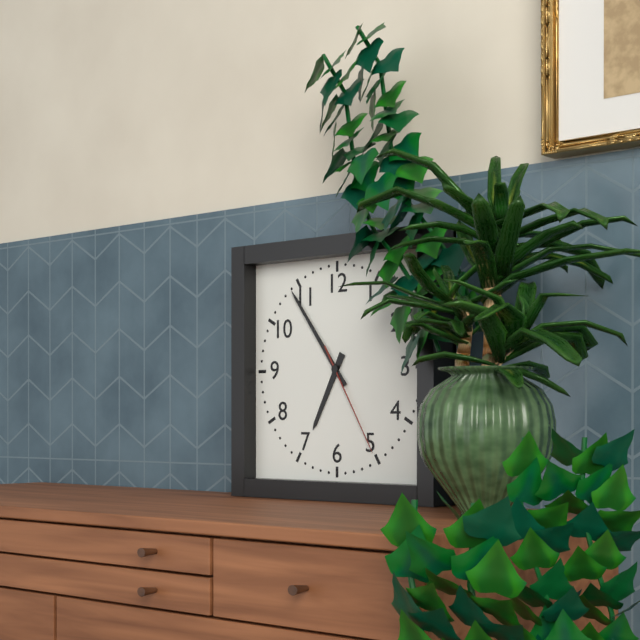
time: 6:54:25
